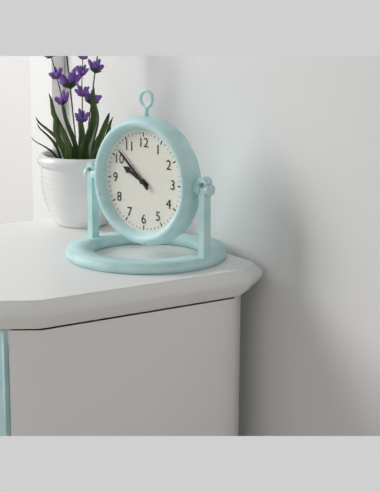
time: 9:52
